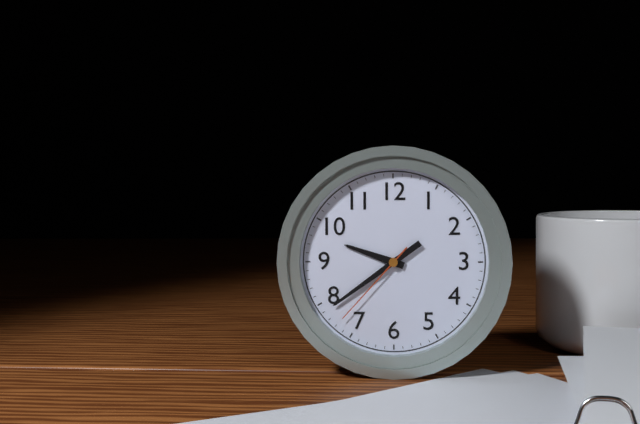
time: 9:39:37
